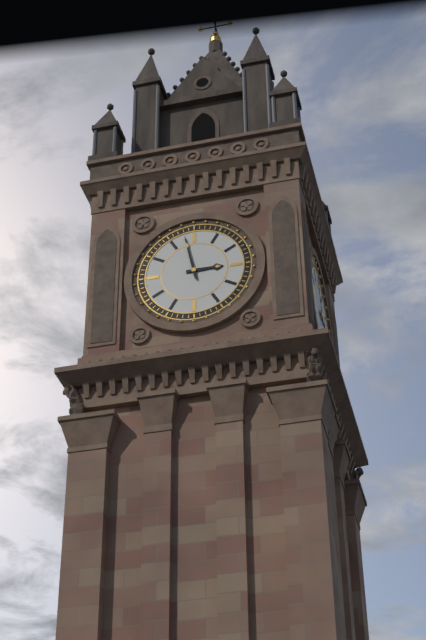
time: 2:58
